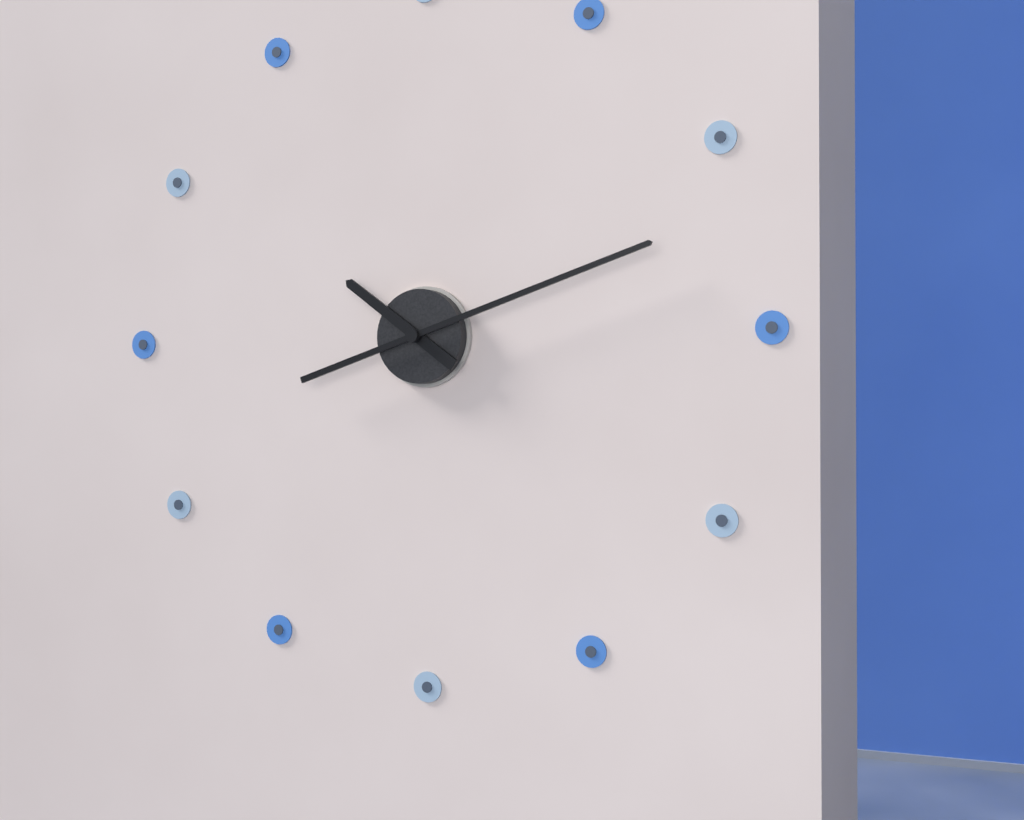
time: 10:12
